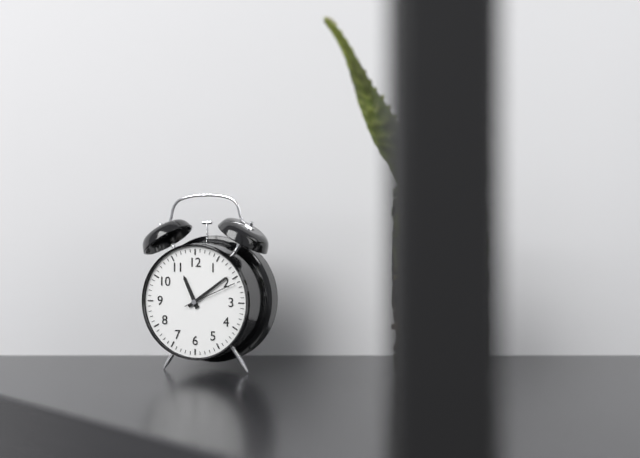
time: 11:09:11
